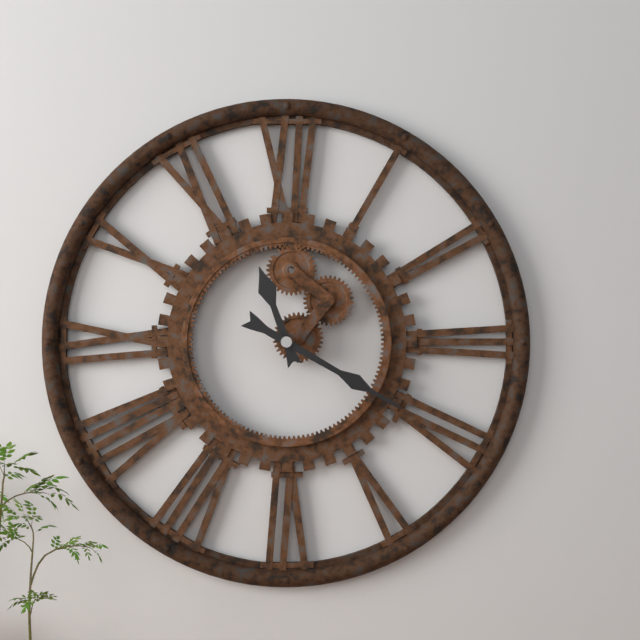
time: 11:20
